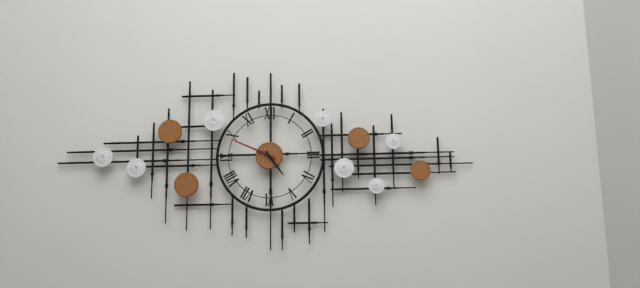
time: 4:49:49
